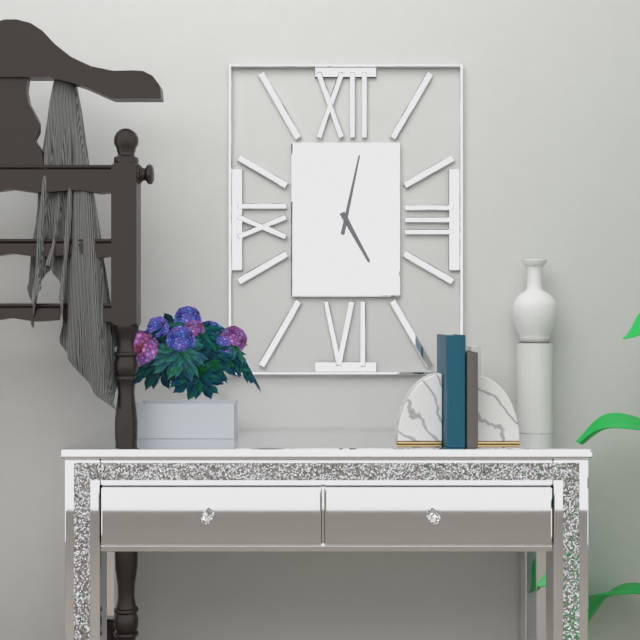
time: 5:02
